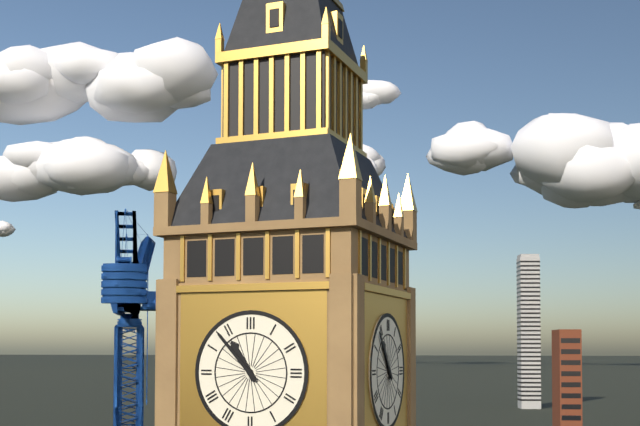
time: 10:53
